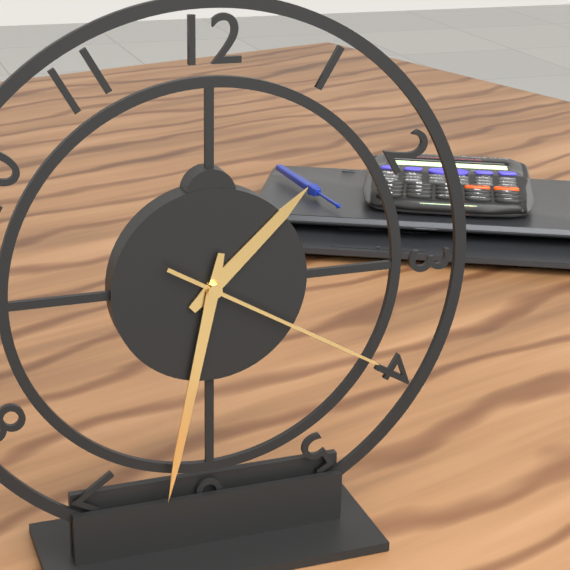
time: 1:32:20
